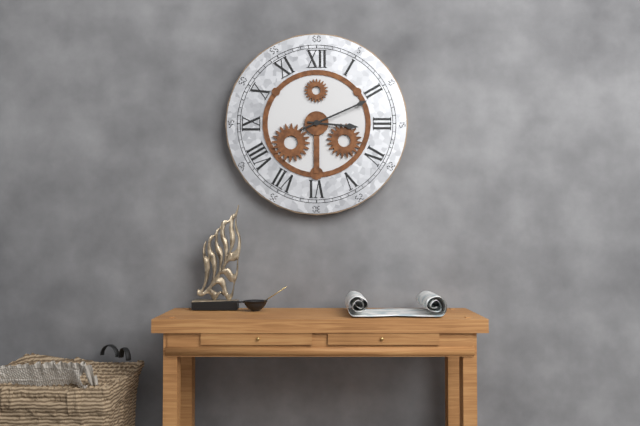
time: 3:11
